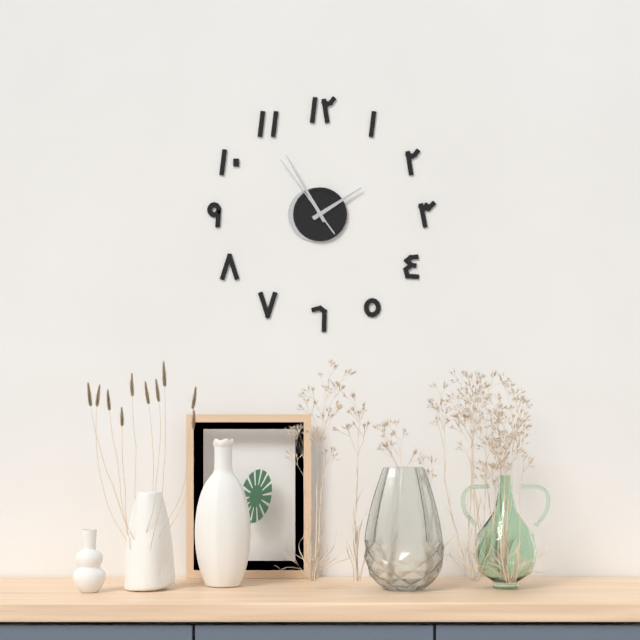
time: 1:55:54
